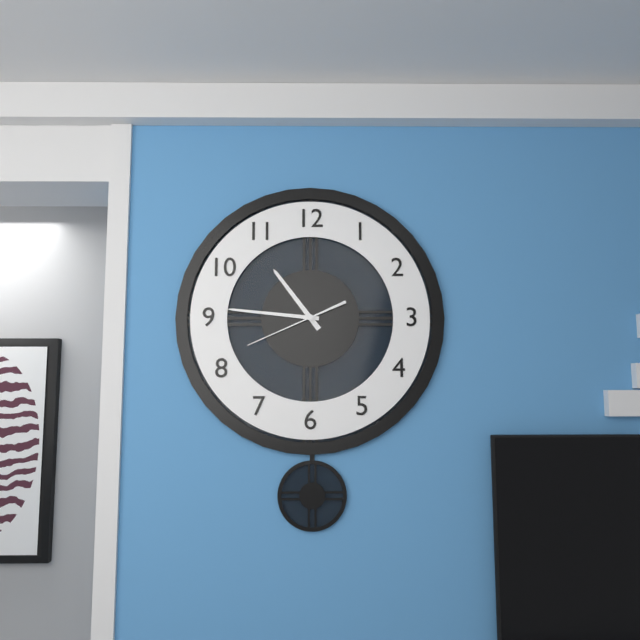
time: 10:46:41
